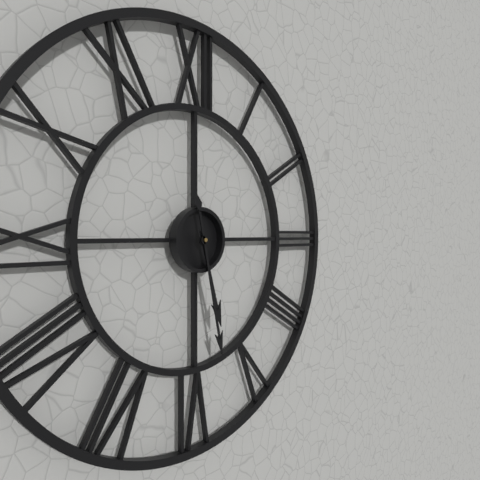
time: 5:28
